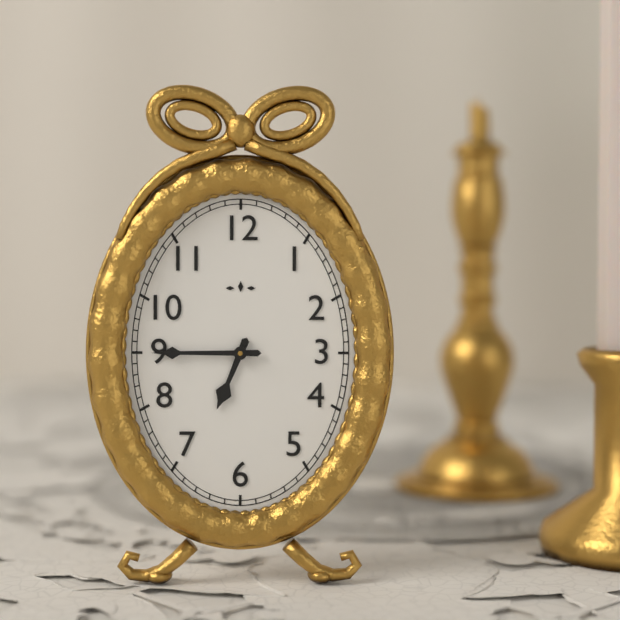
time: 6:45
